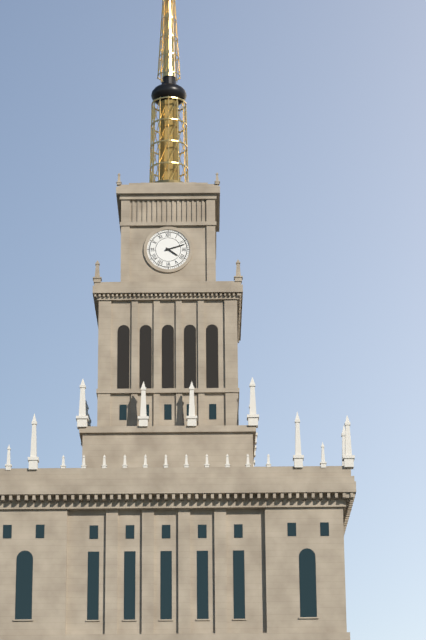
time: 4:12
